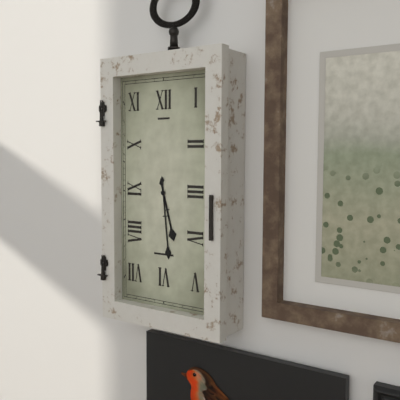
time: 5:29
